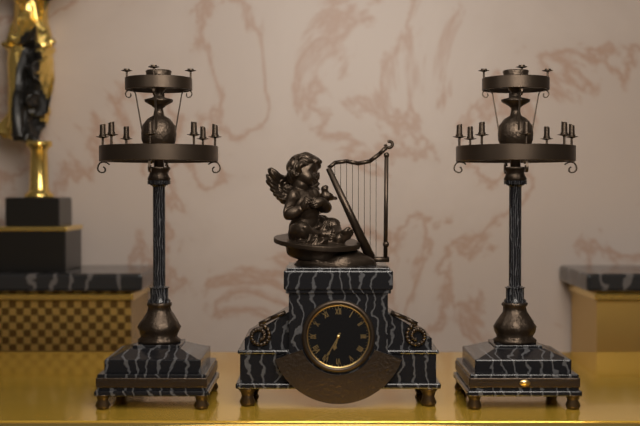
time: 6:35
